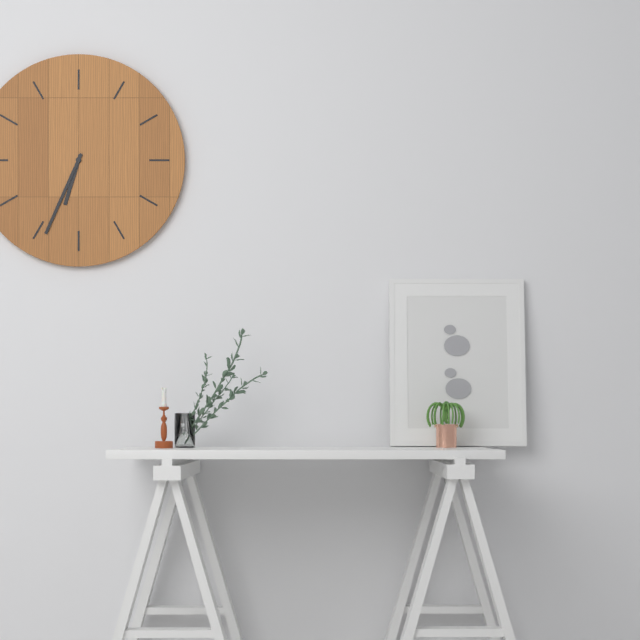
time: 6:34
